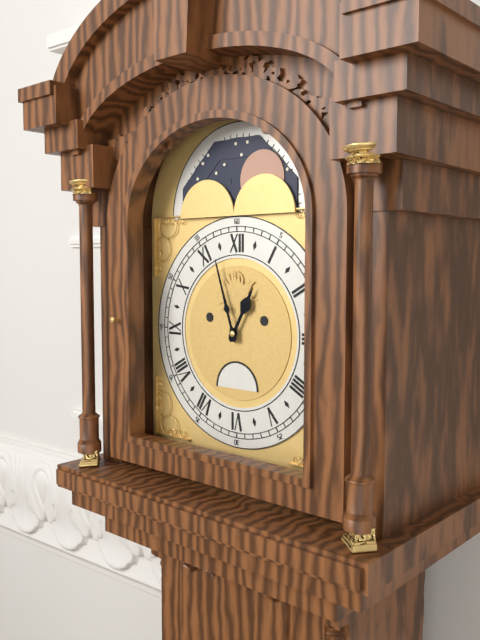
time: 12:57
